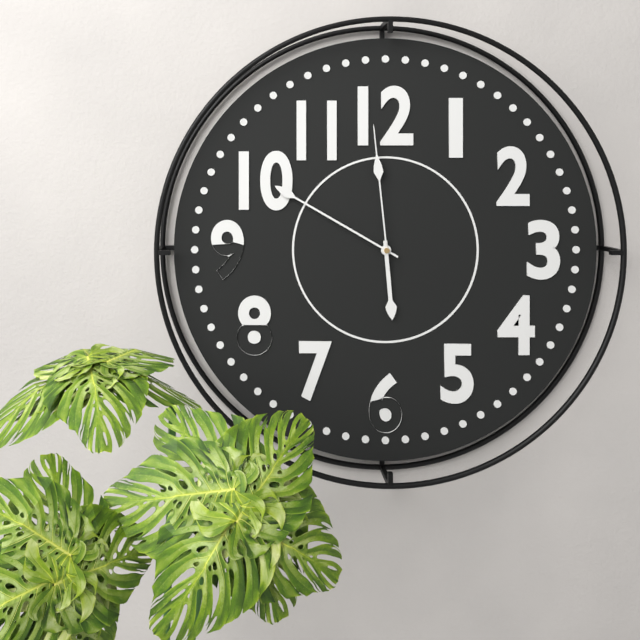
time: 5:50:59
